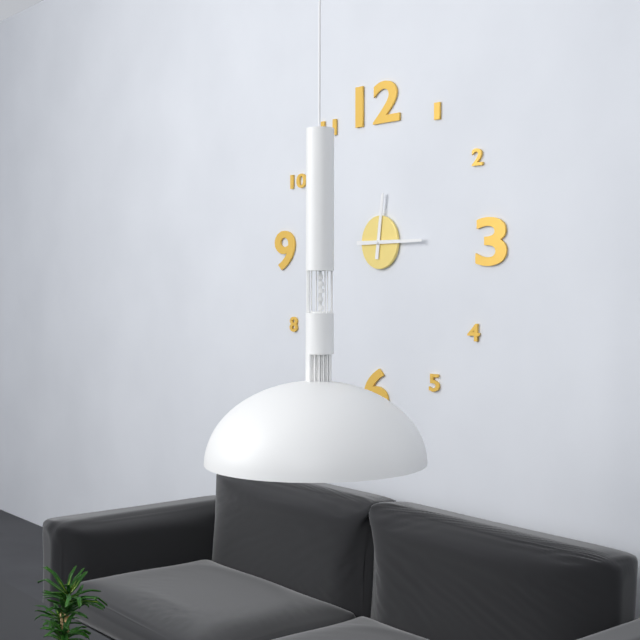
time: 12:15
